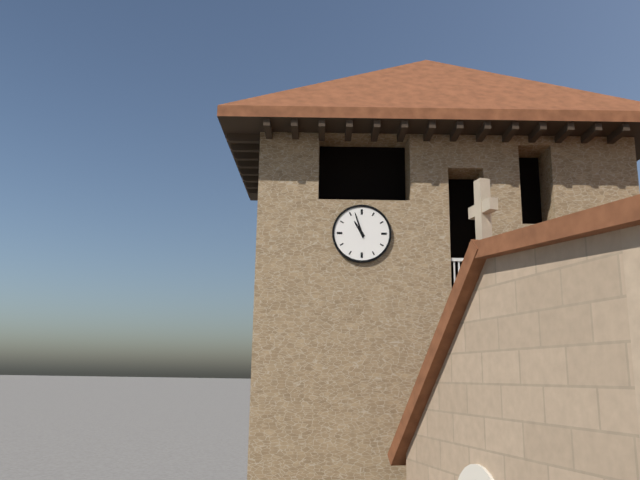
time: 10:57
